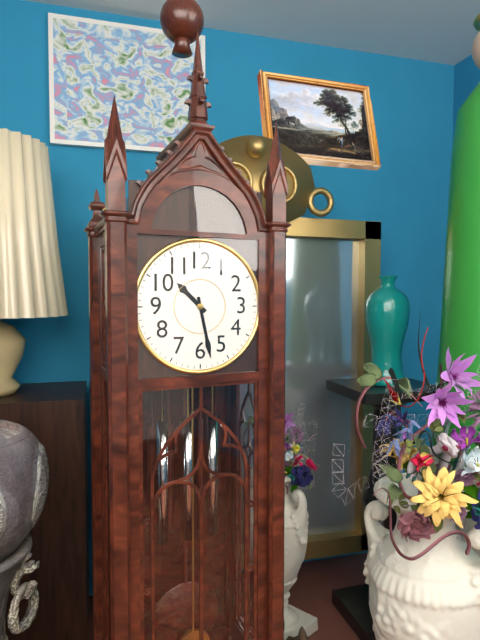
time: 10:28
